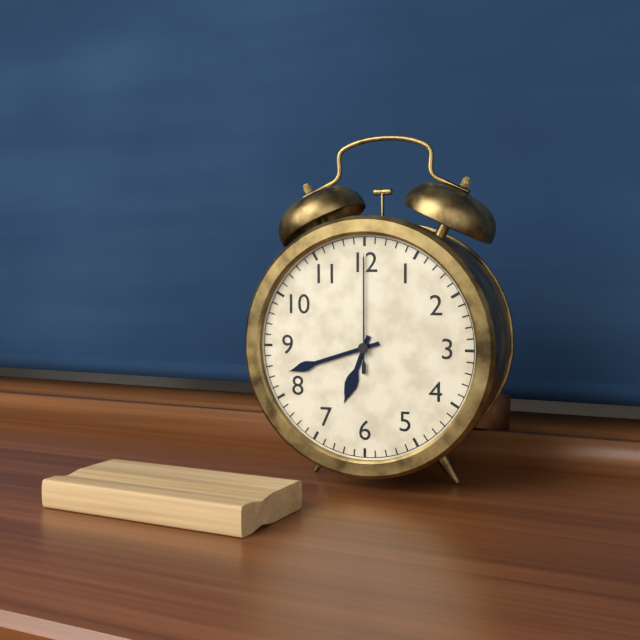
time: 6:42:00
